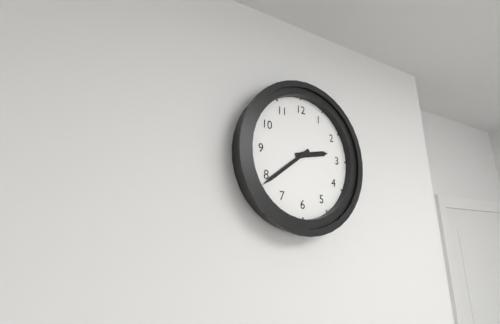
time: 2:39
